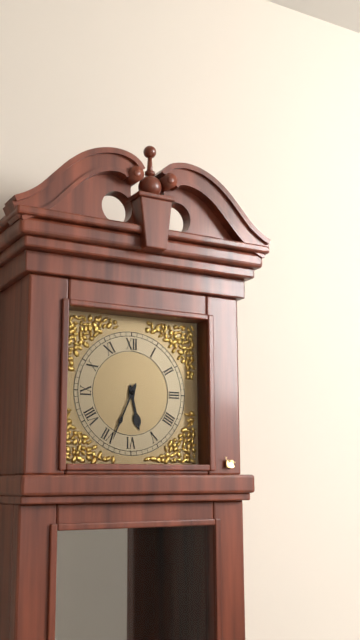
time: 5:34
